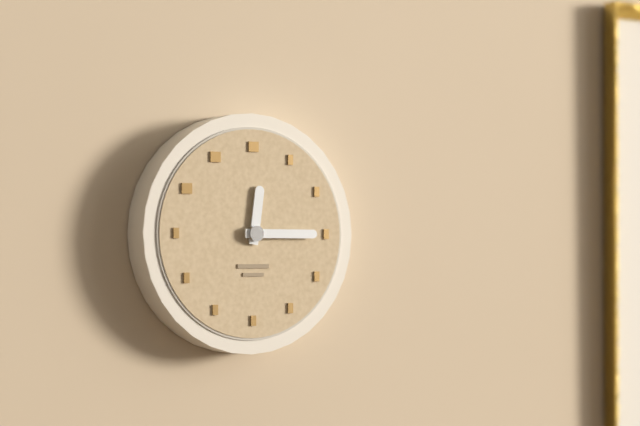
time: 12:15
